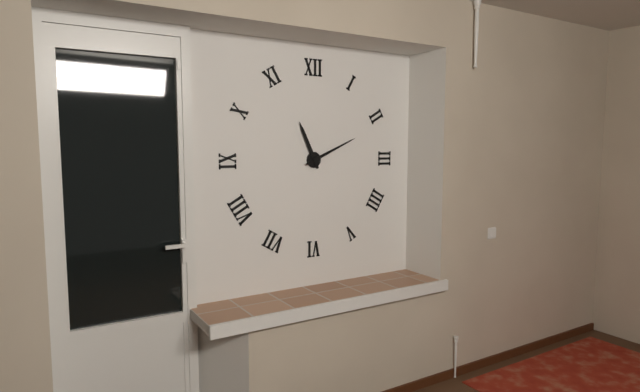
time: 11:11
